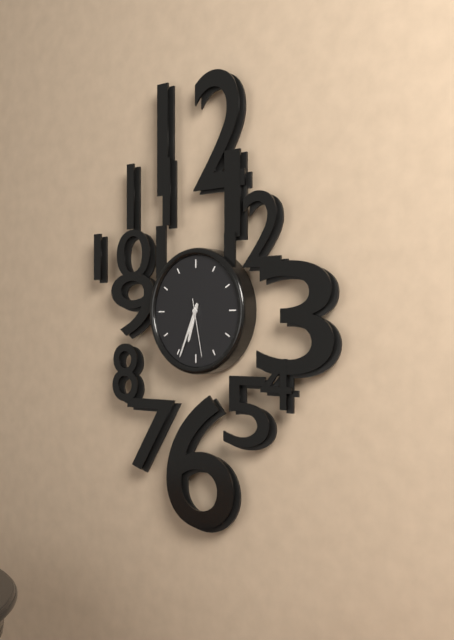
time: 6:34:28
